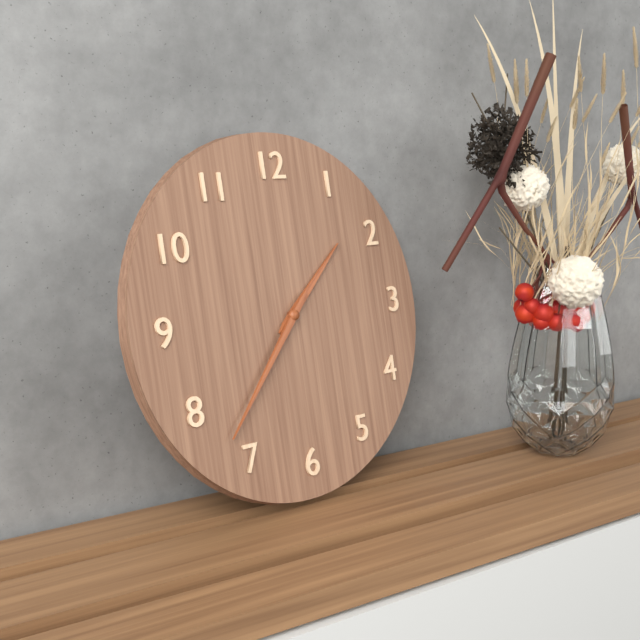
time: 1:37
